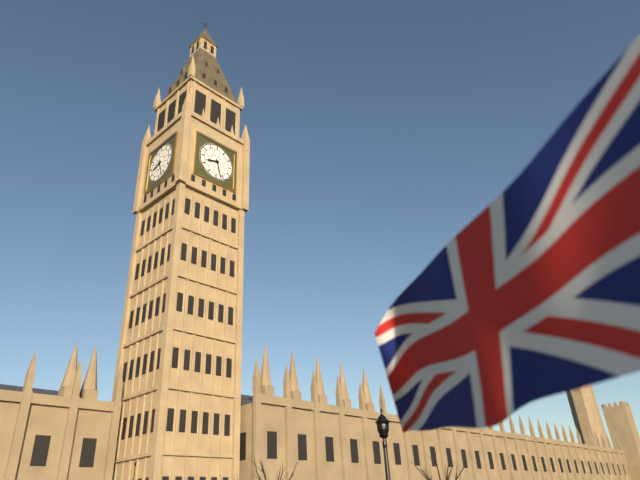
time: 8:27
